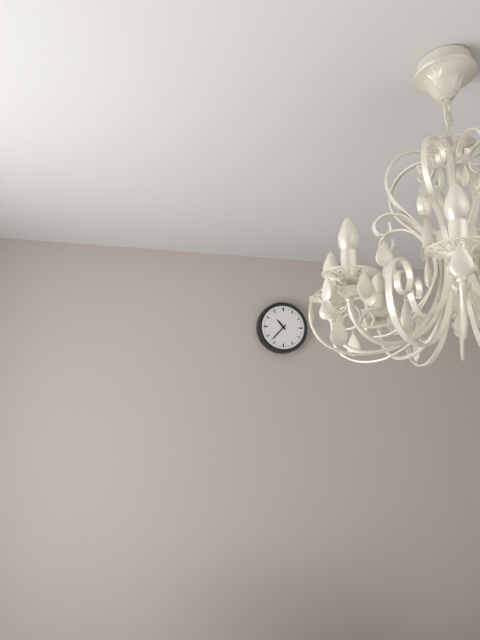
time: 10:37
